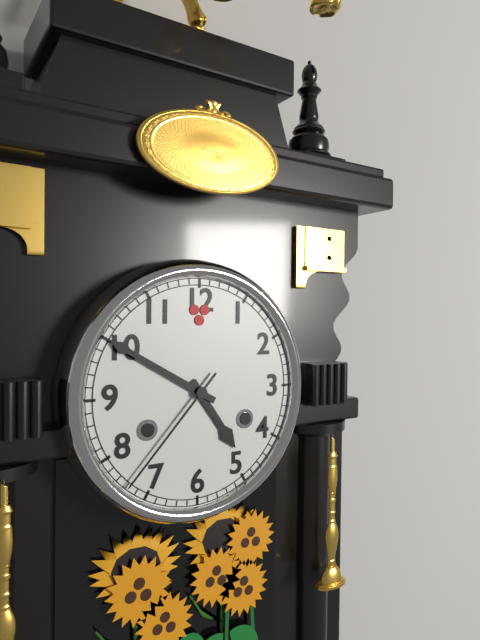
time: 4:50:37
